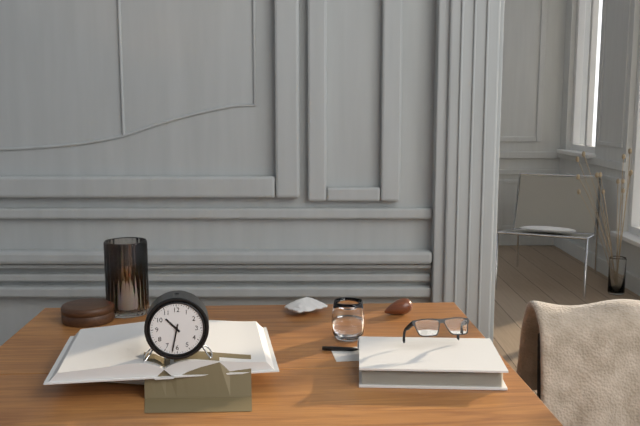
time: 10:32
